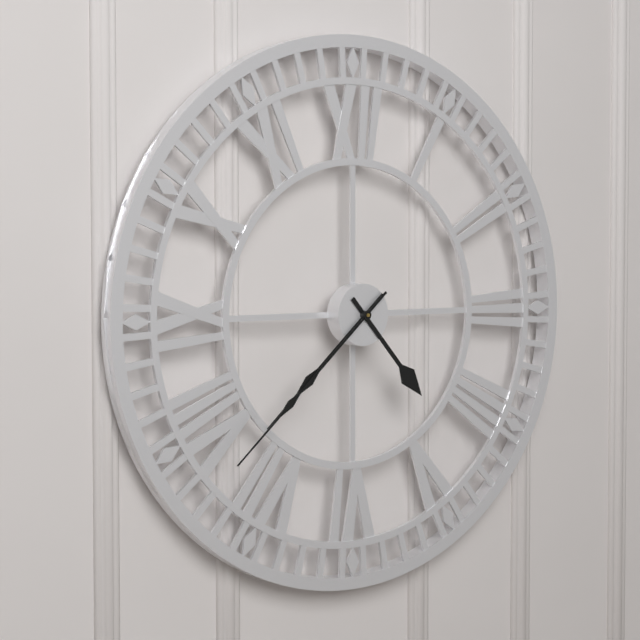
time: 4:38:38
